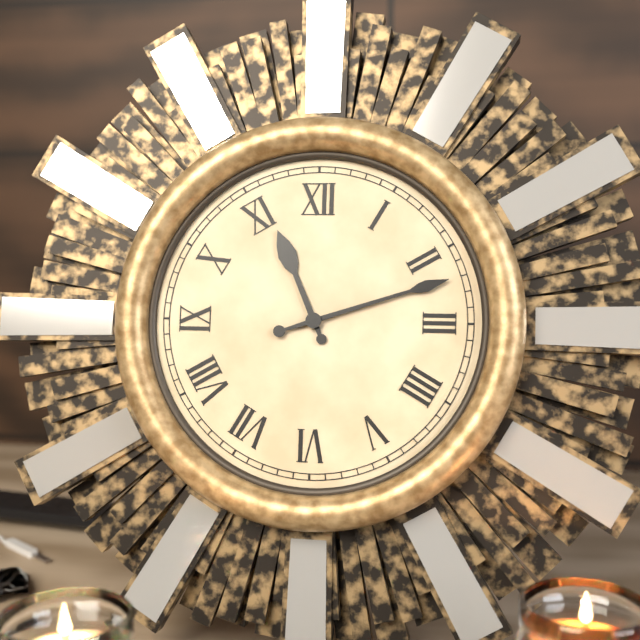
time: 11:12
